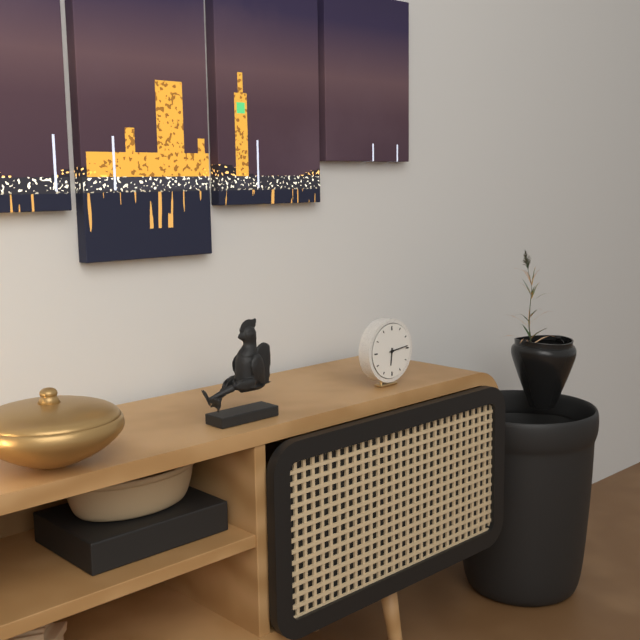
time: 6:14
